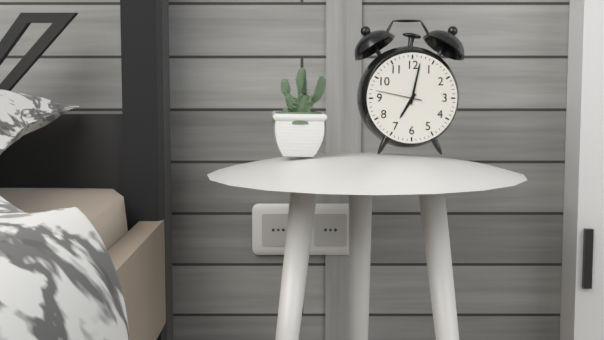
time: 7:02
